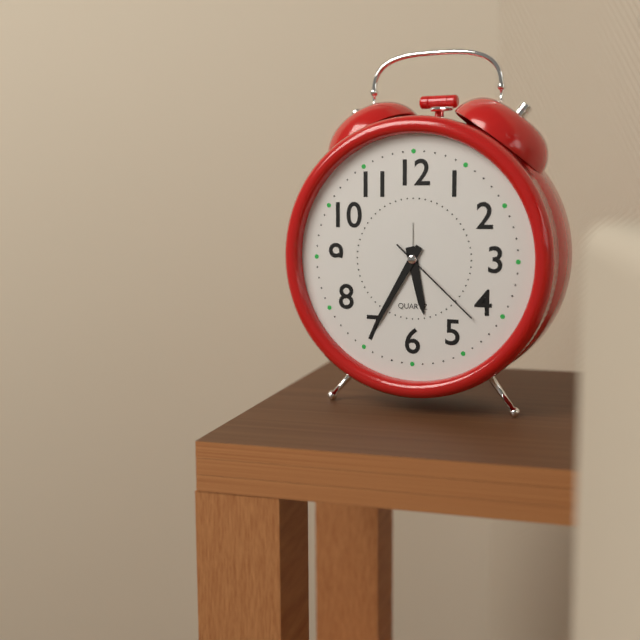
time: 5:35:22
